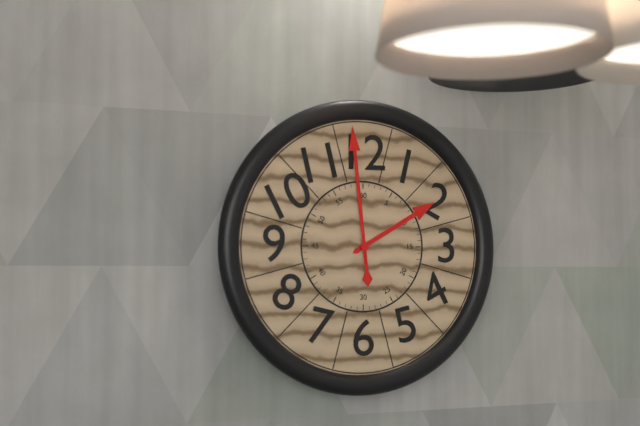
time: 1:59
